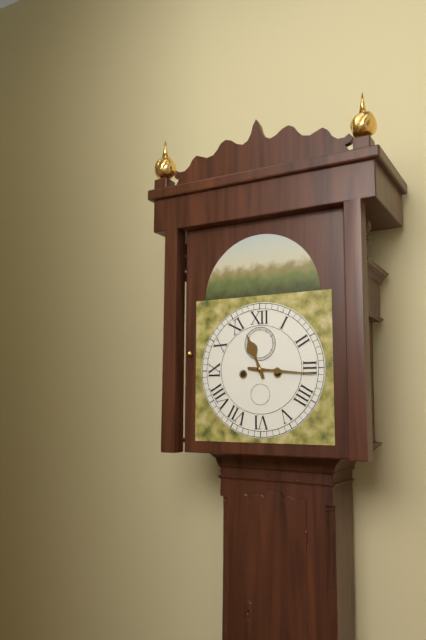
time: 11:16
